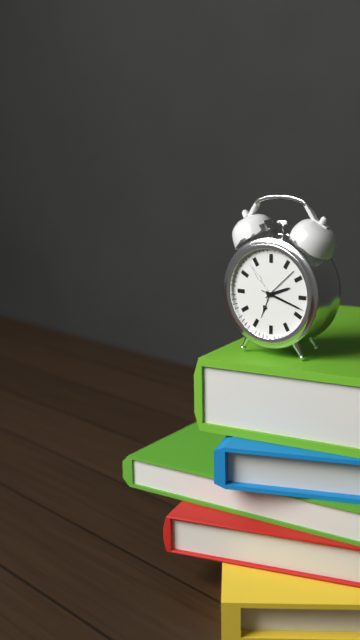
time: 2:18
